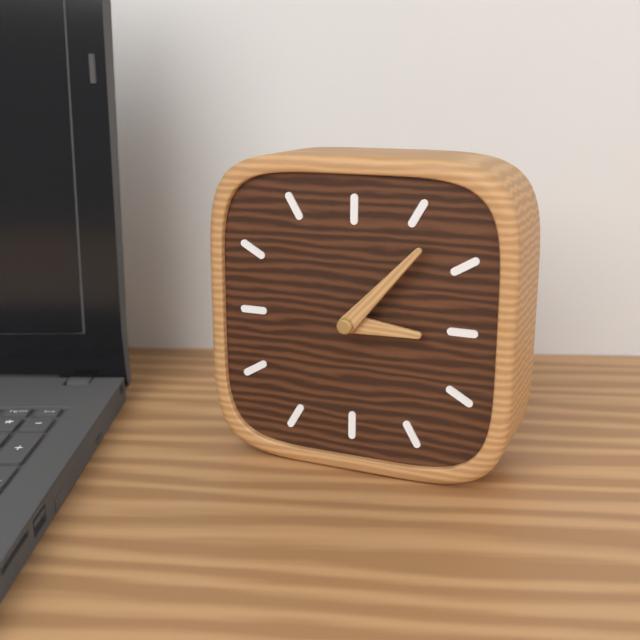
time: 3:07
